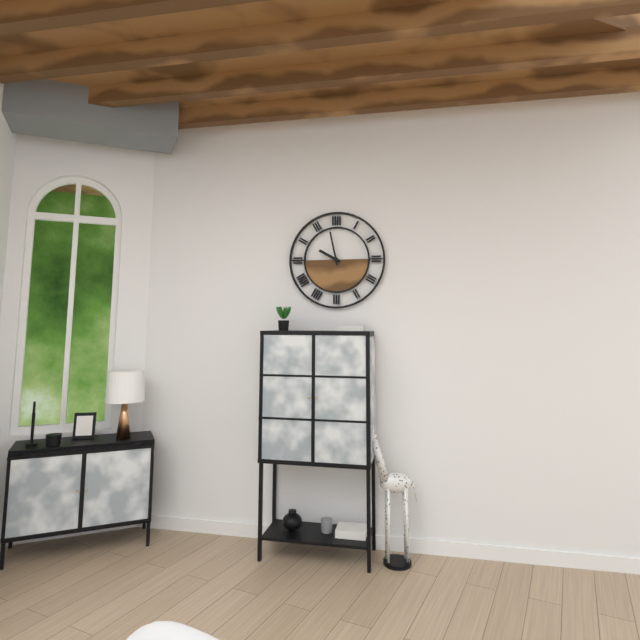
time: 9:58
